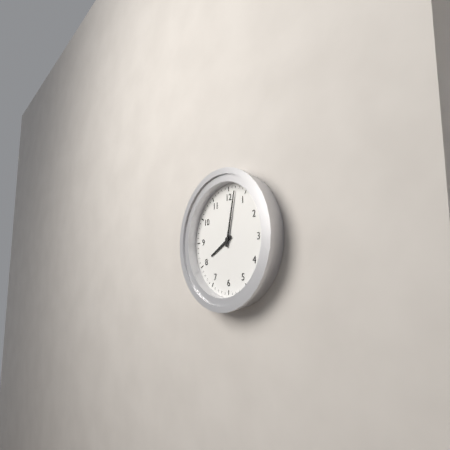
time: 8:02
